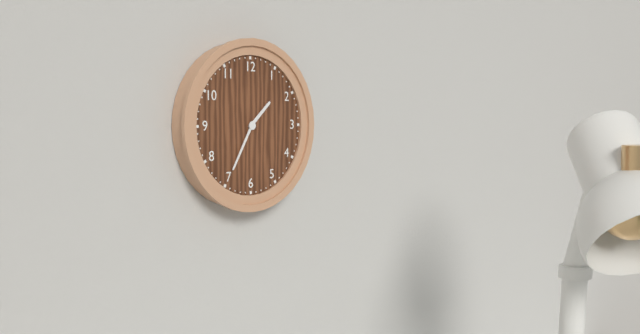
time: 1:35
